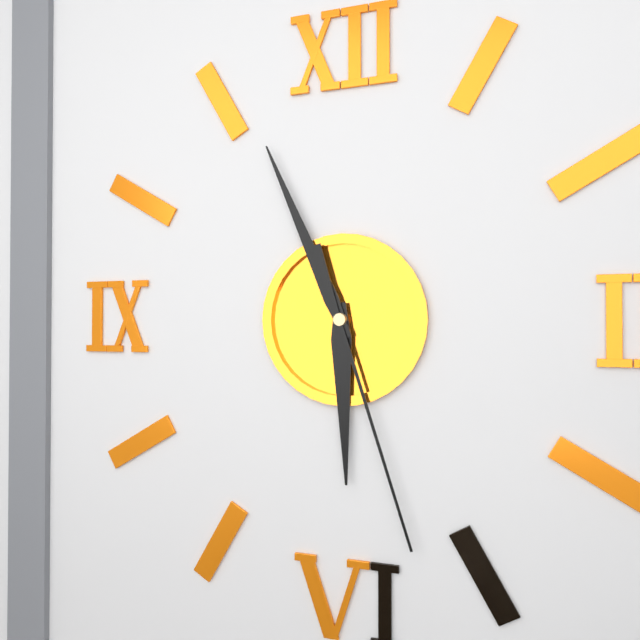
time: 5:56:27
